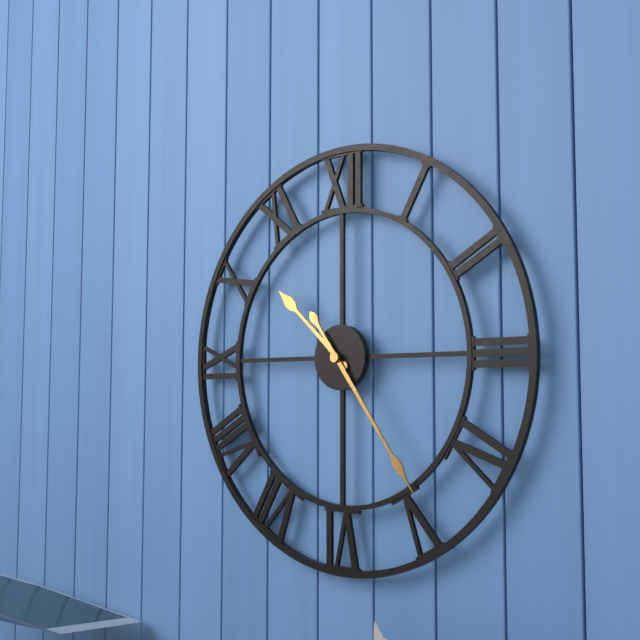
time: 10:24
